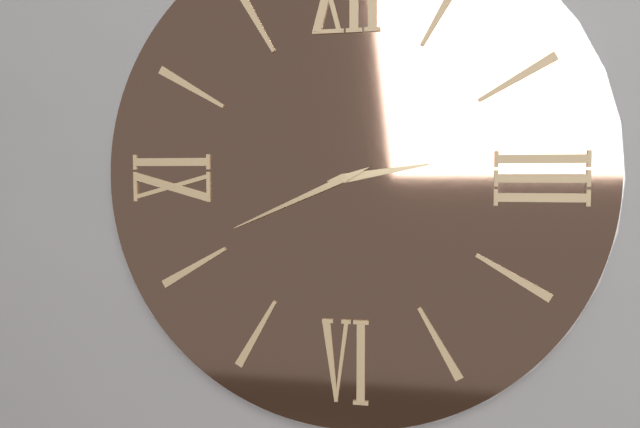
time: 2:41
